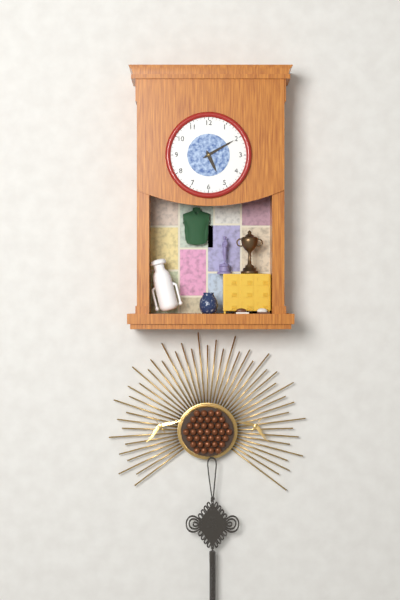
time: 5:10
